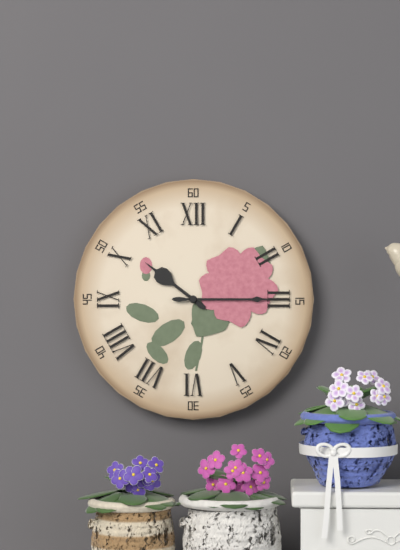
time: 10:15
